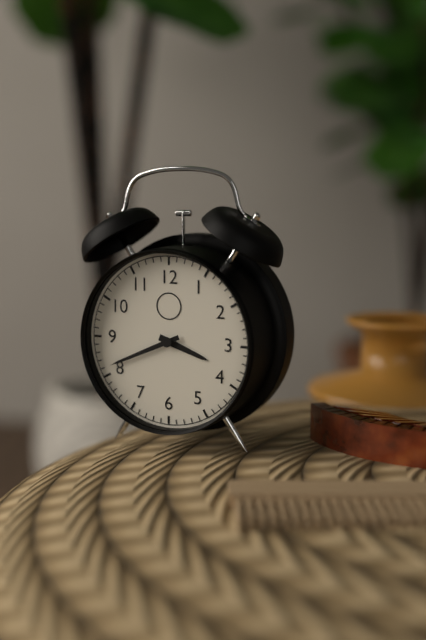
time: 3:41
